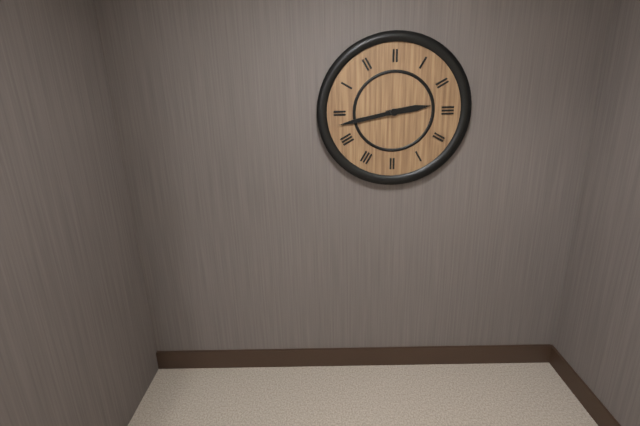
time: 2:43
